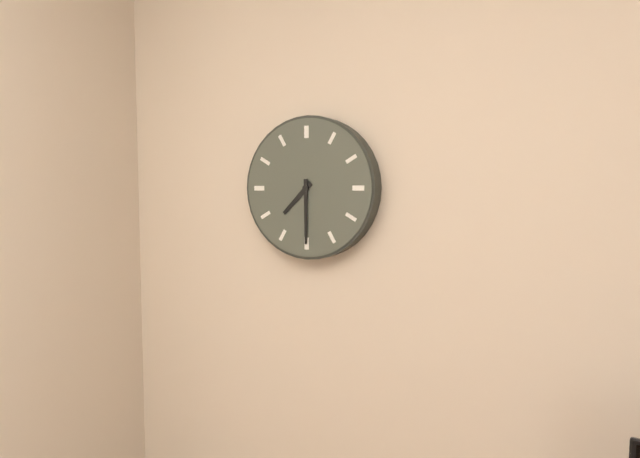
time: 7:30
